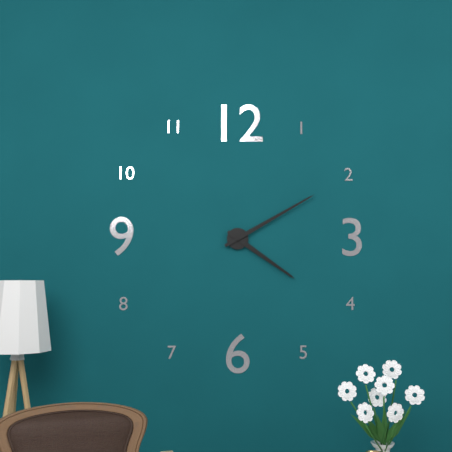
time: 4:10
